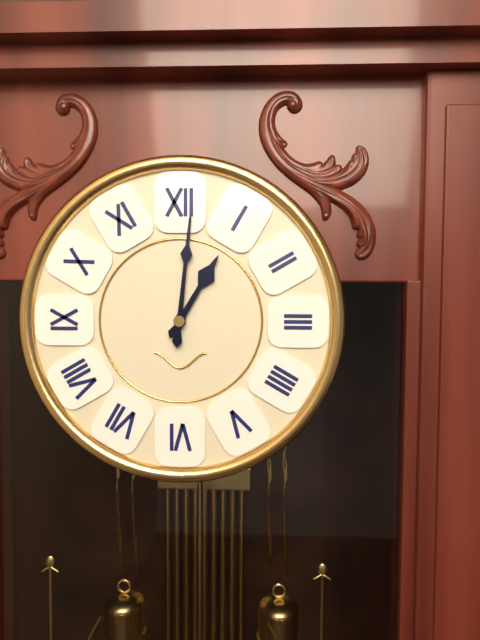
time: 1:01
